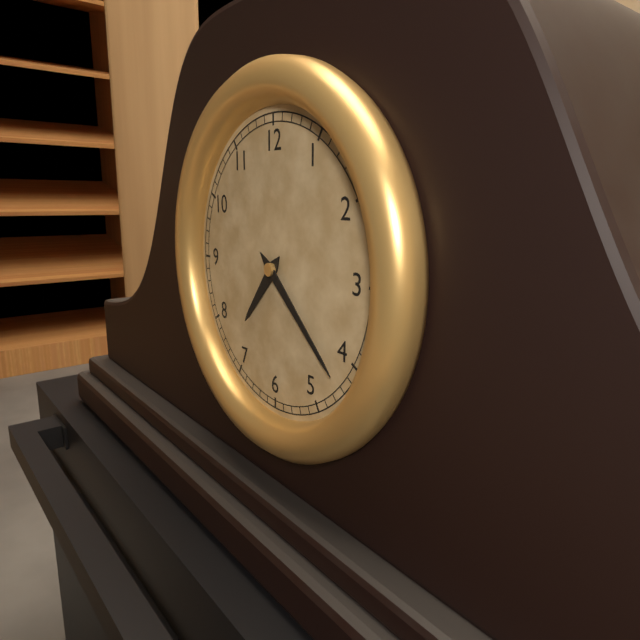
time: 7:22
